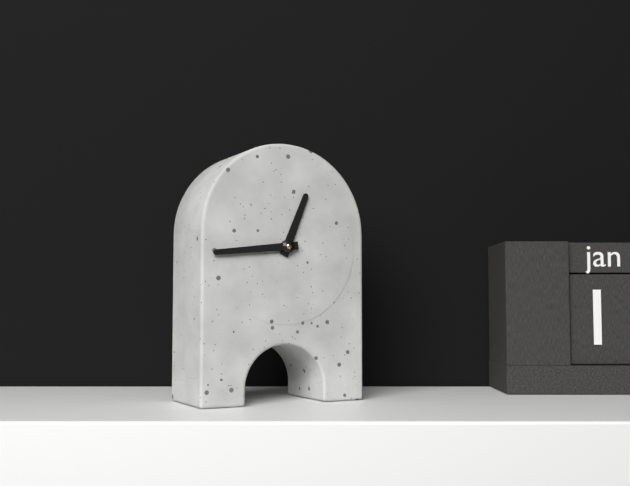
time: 12:44
